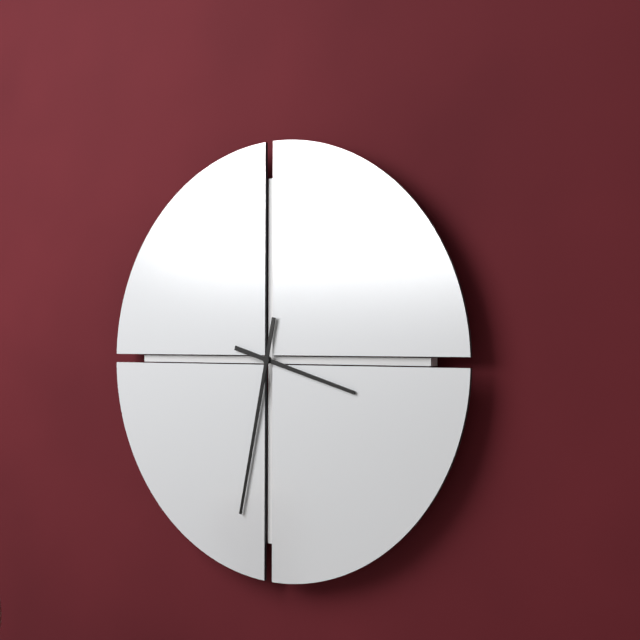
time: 3:32
